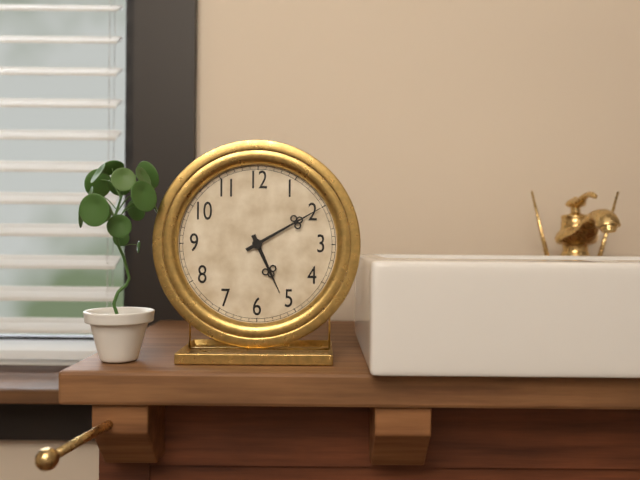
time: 5:10
